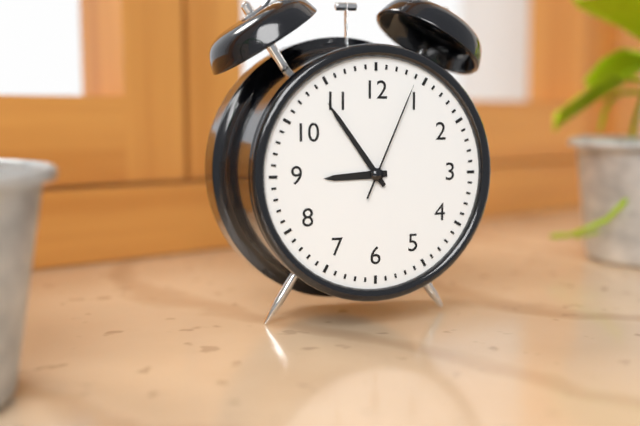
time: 8:54:04
